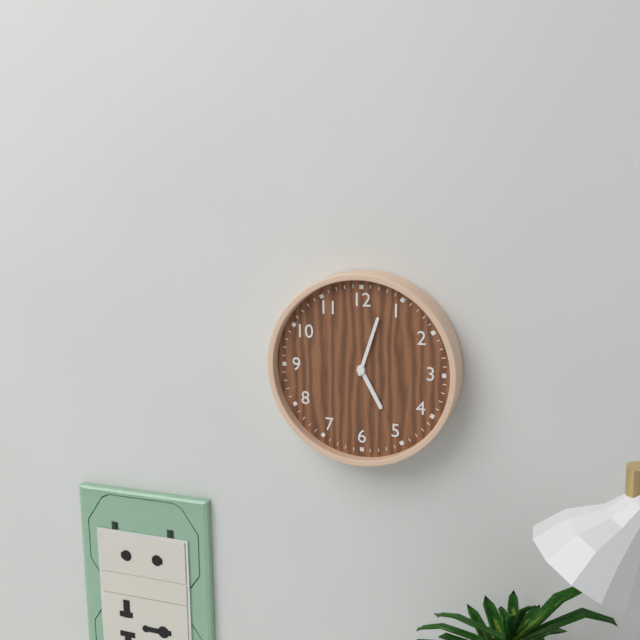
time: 5:03
